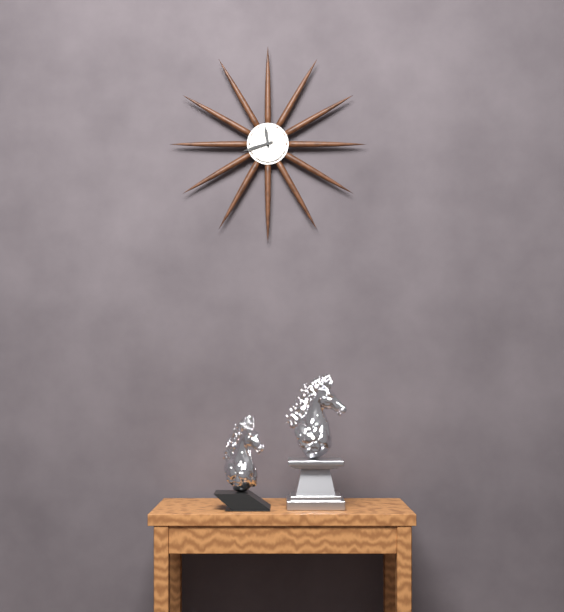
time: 11:42
